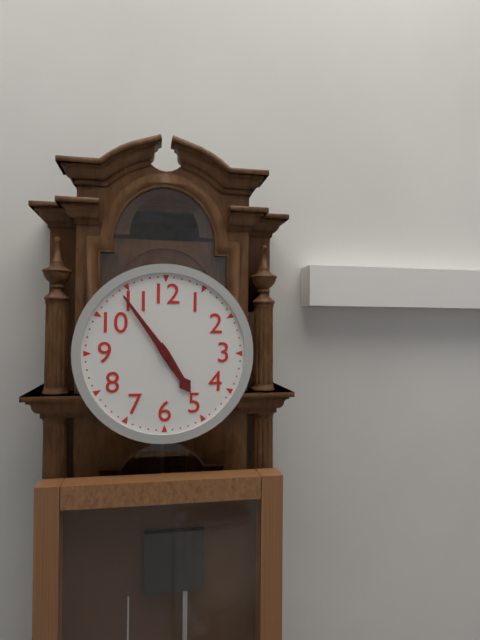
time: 4:54
